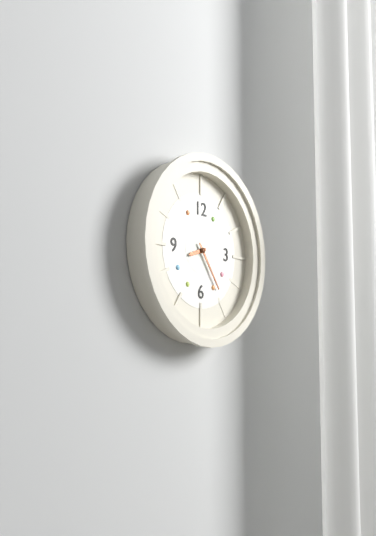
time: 8:24
